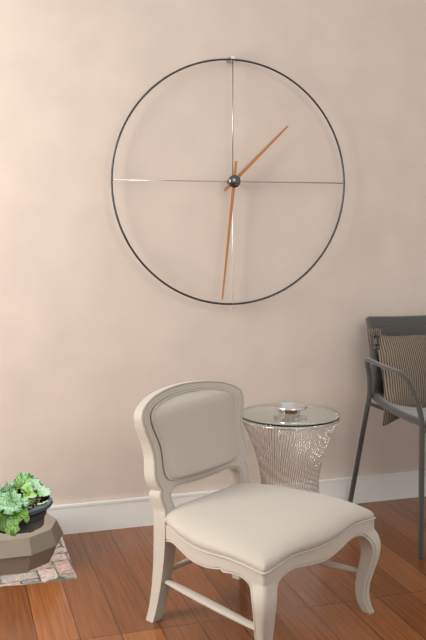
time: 1:31
